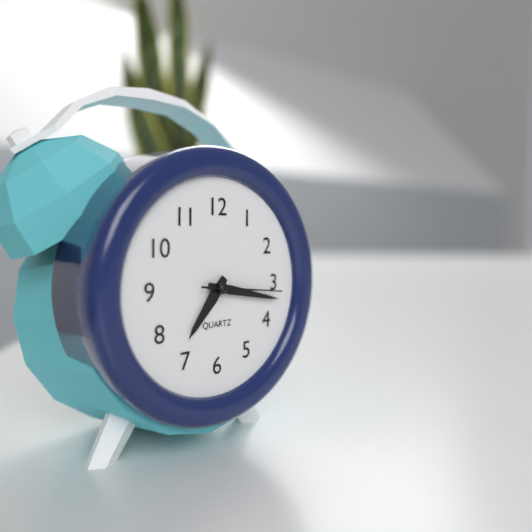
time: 7:17:16
